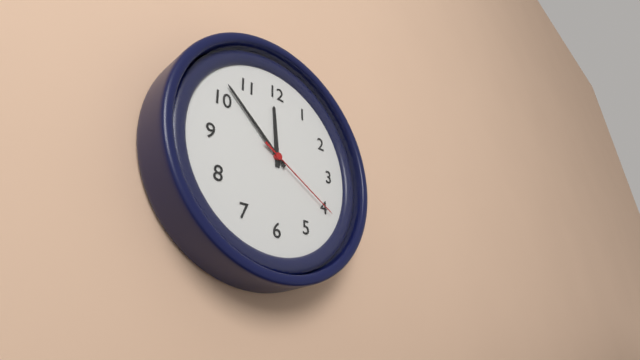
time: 11:52:20
